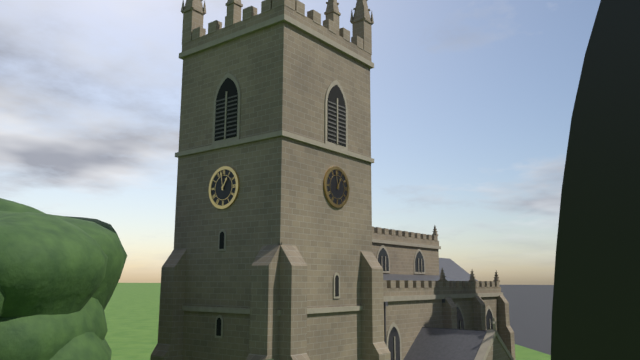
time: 12:58
